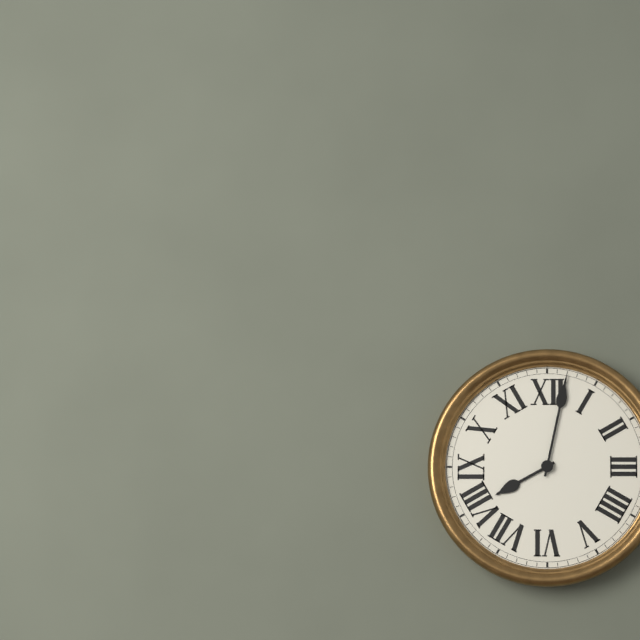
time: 8:02
